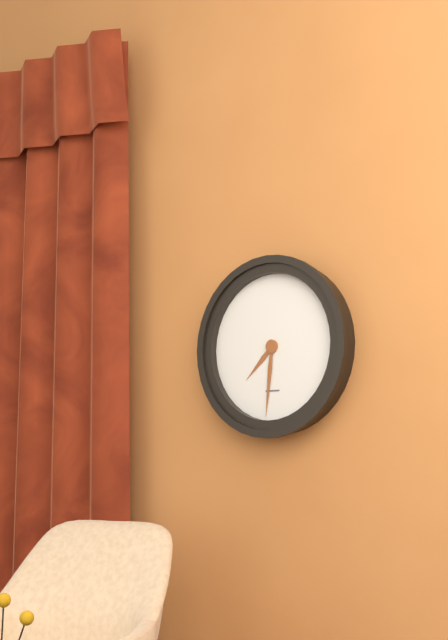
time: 7:31
